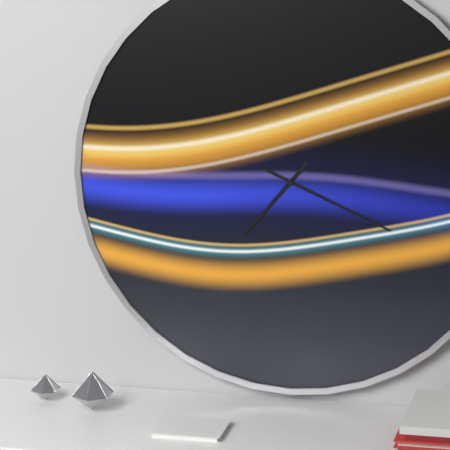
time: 7:19
